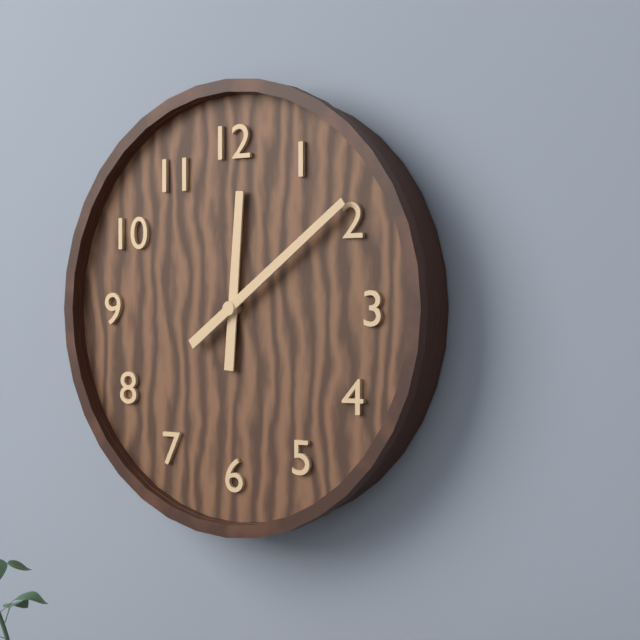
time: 12:09
